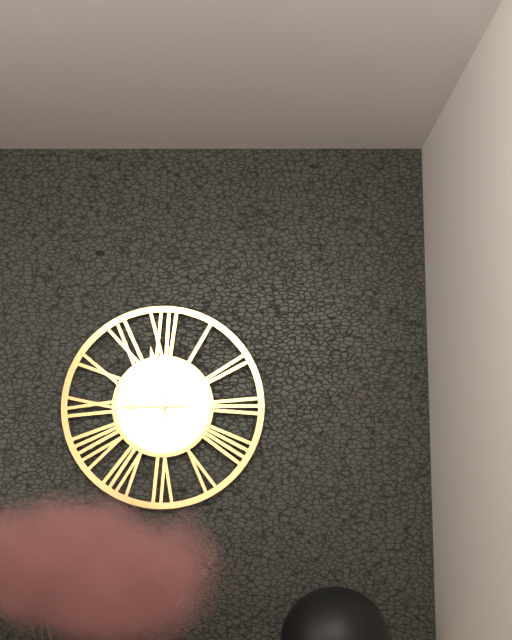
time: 8:58
